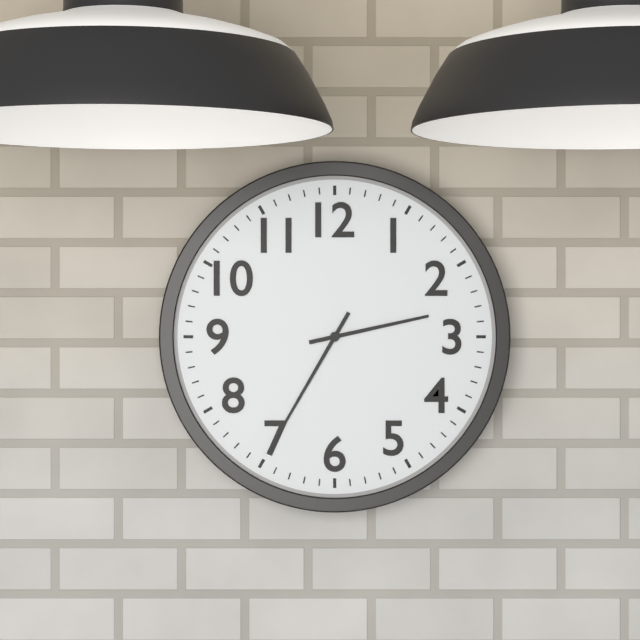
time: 2:35
